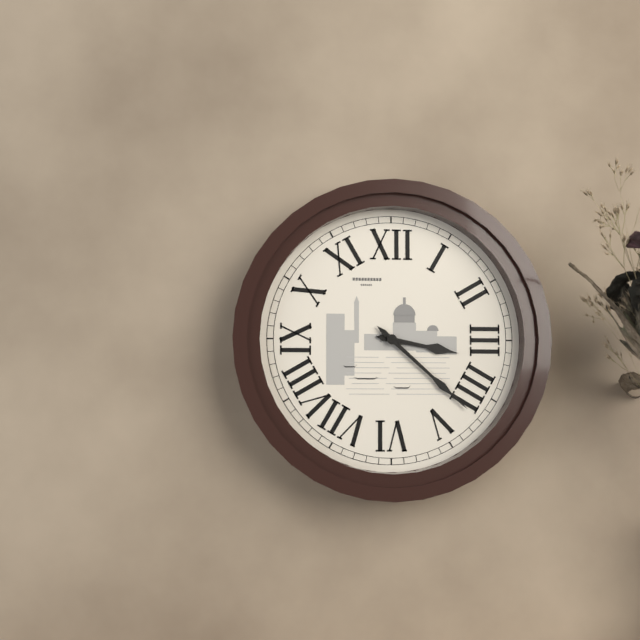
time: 3:22
